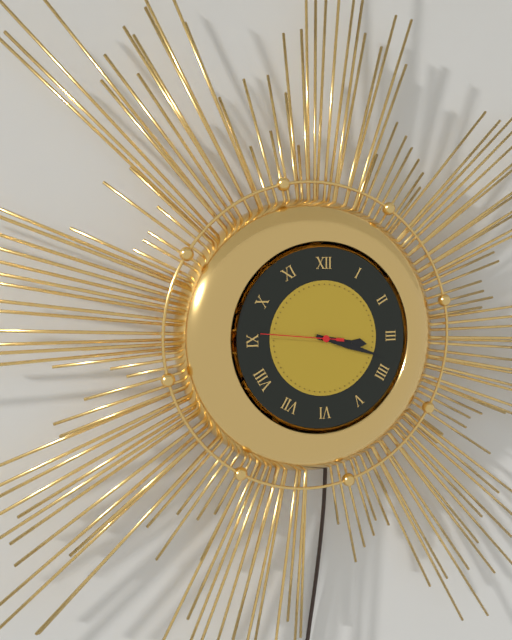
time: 3:18:46
